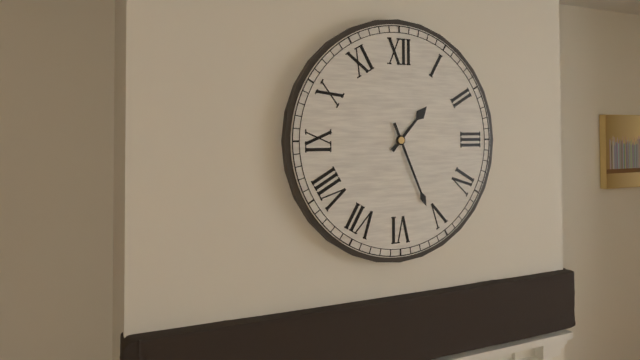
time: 1:26
